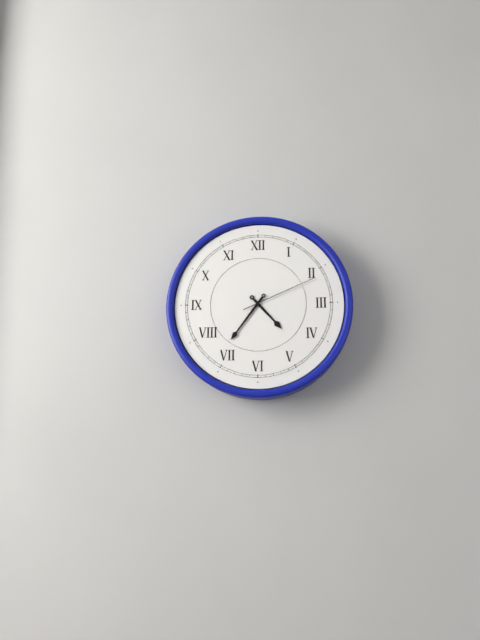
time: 4:36:11
